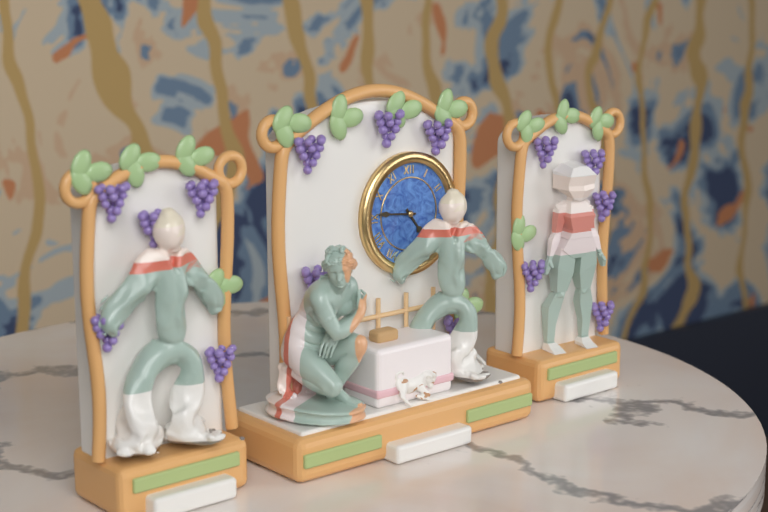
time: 4:46
